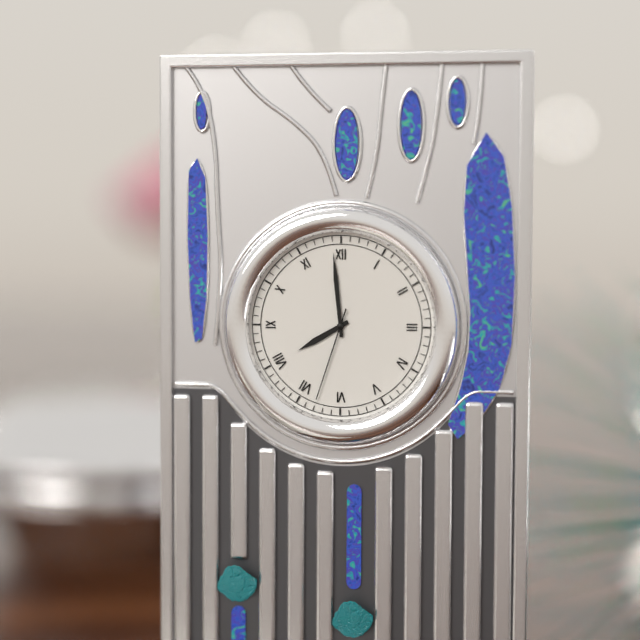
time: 7:59:33
